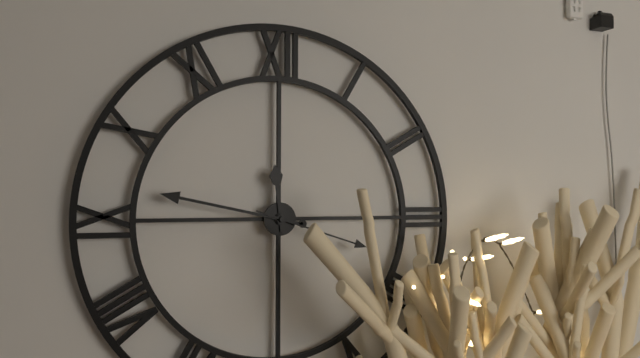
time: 11:47:18
